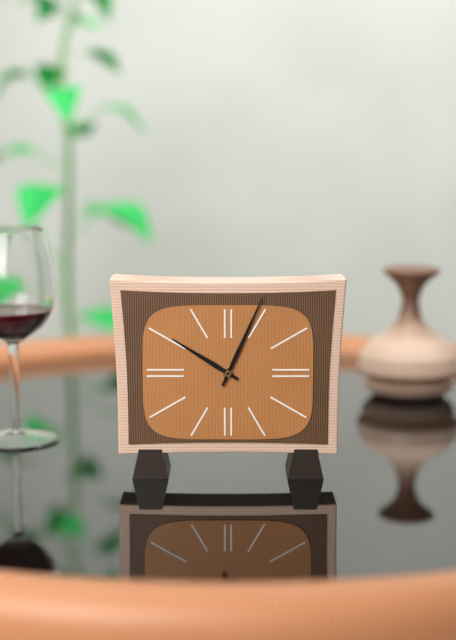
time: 10:04
